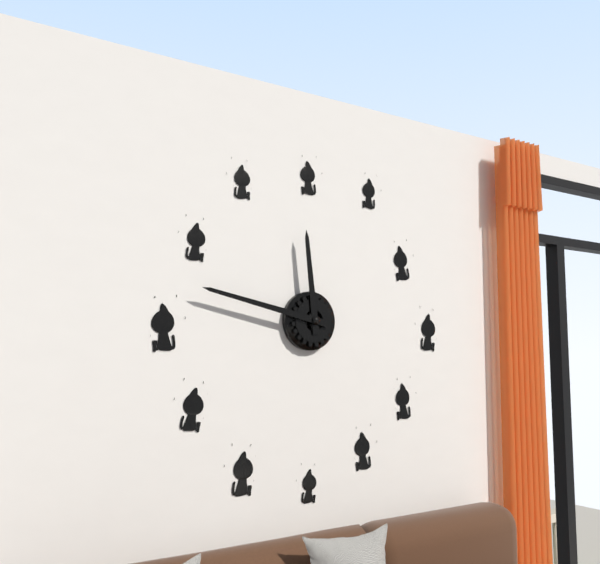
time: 11:47
